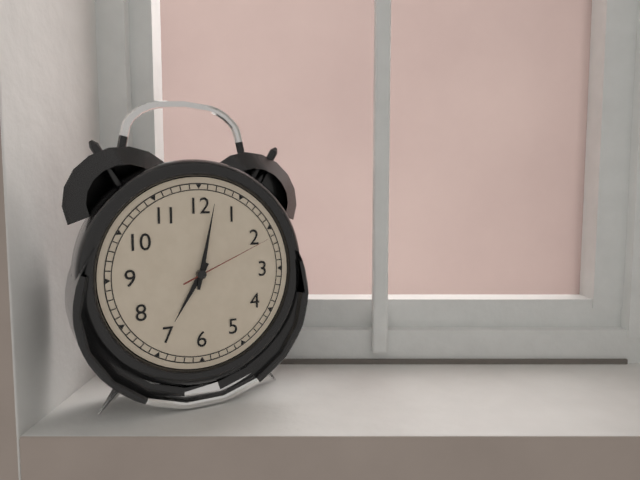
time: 7:02:11
